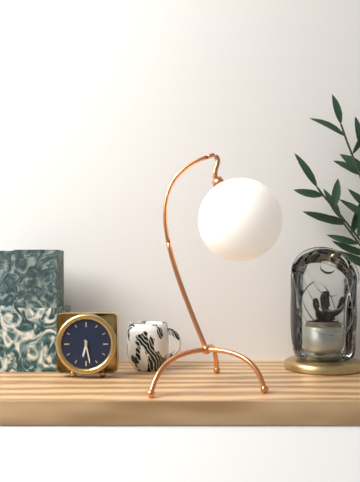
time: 6:28
